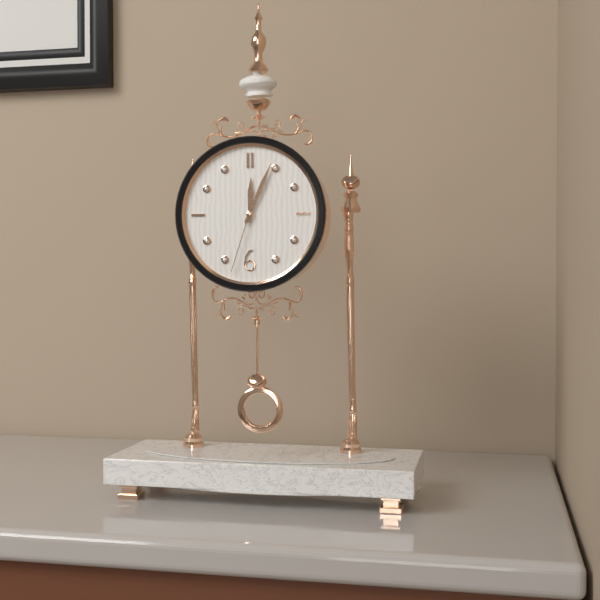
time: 12:04:33
